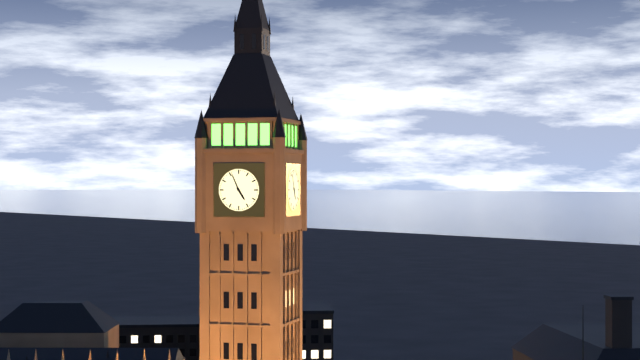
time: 4:56
